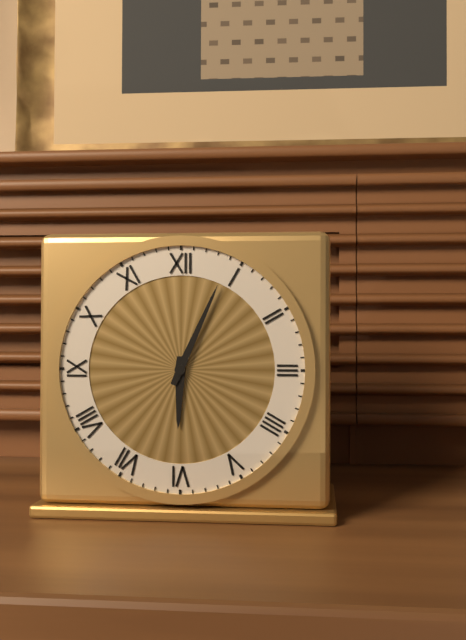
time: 6:04
